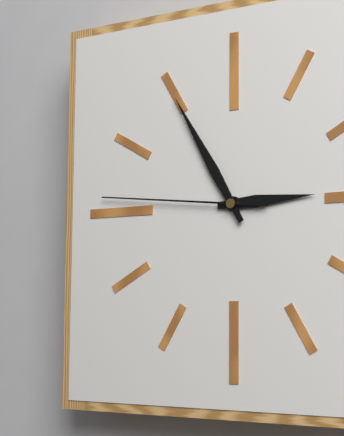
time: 2:55:46
